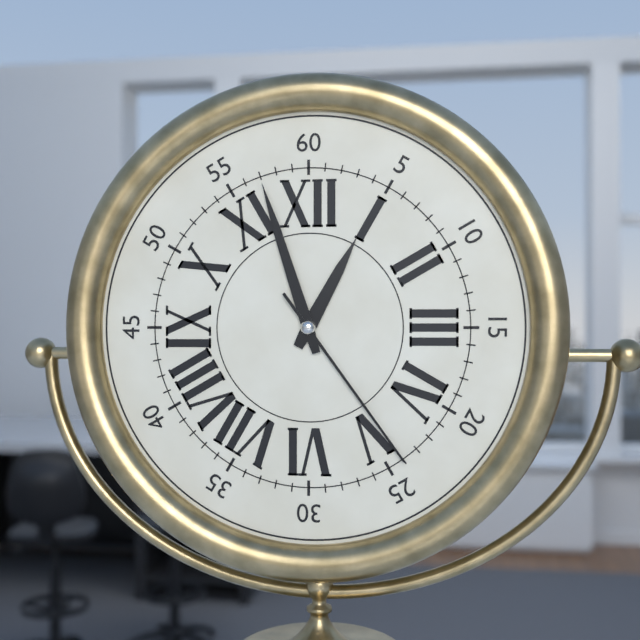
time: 12:57:24
